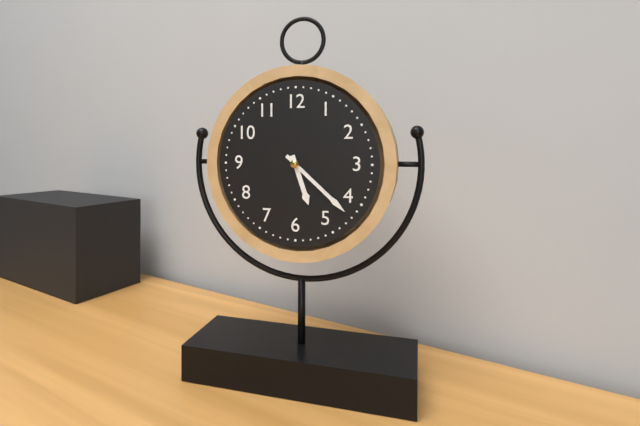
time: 5:22
